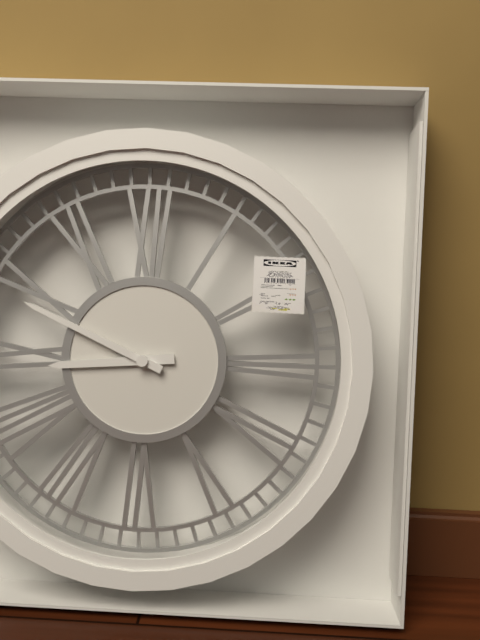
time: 8:49
